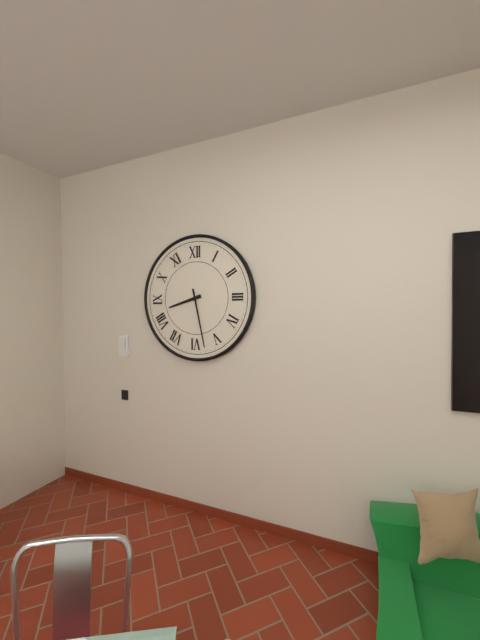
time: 8:28
